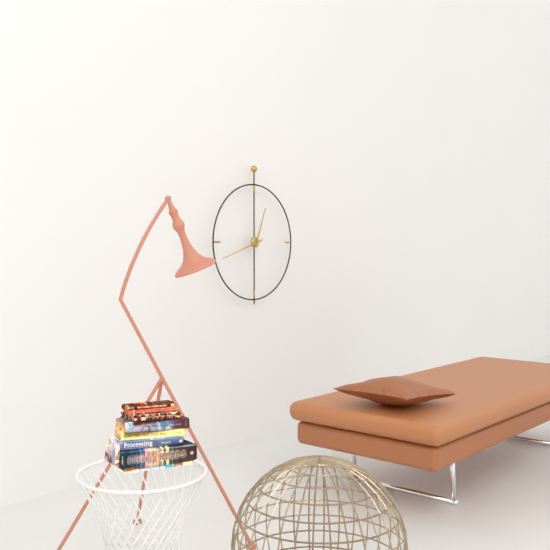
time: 12:42
